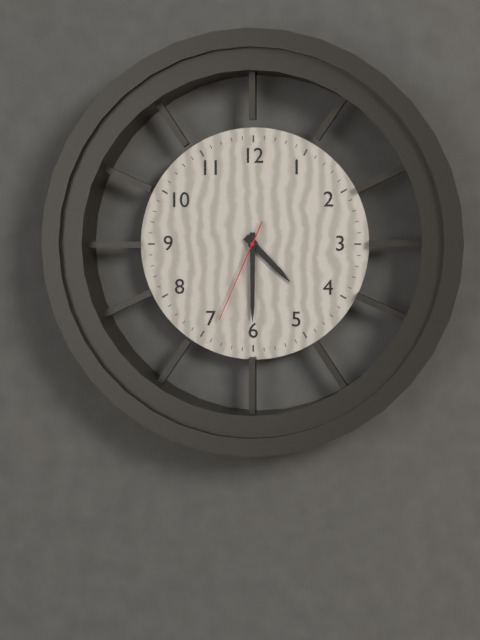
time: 4:30:34
